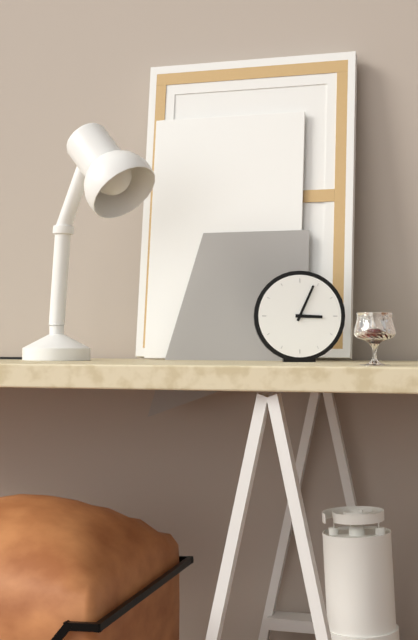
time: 3:04
